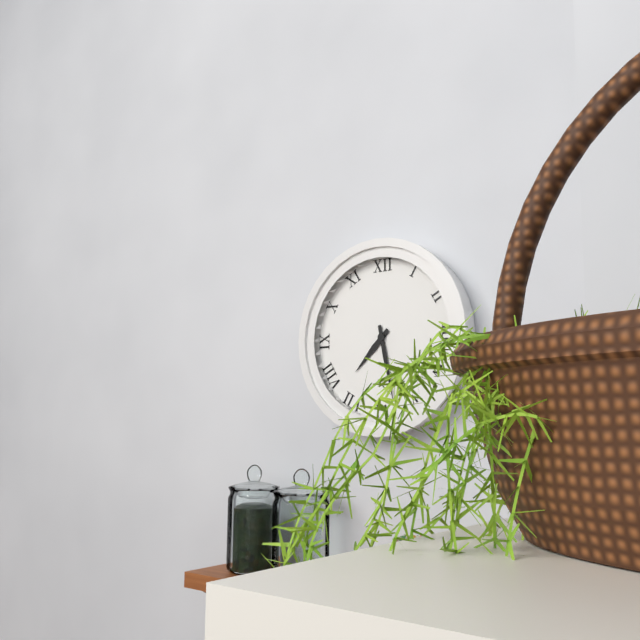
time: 7:28
